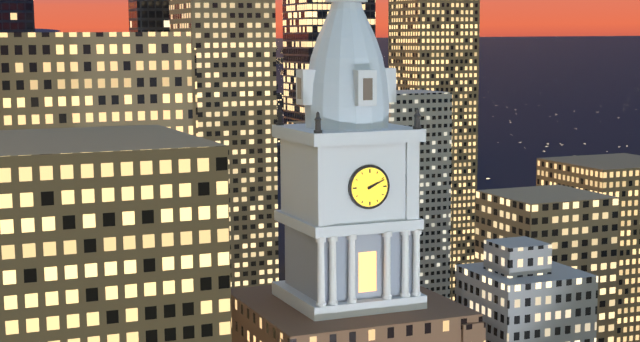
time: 2:11
